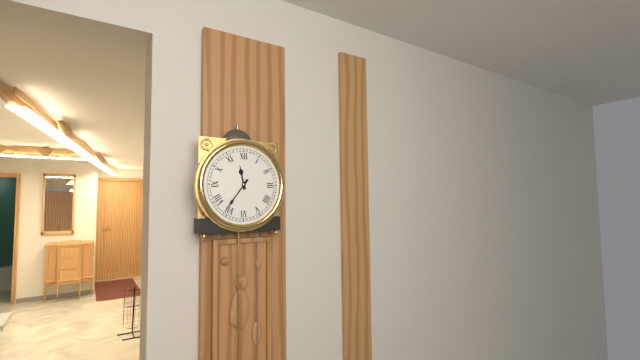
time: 11:36
